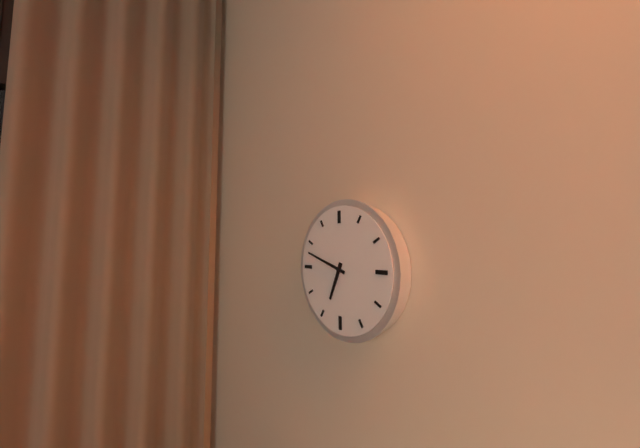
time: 6:48
